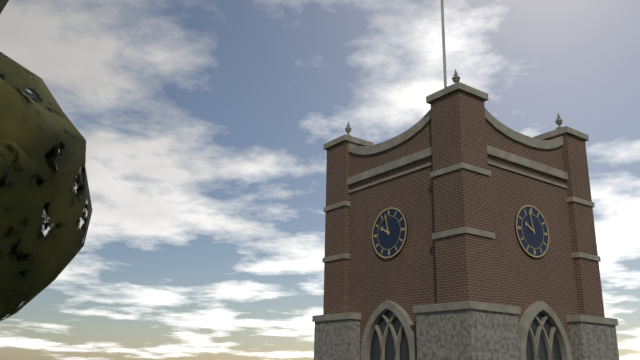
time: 9:58
